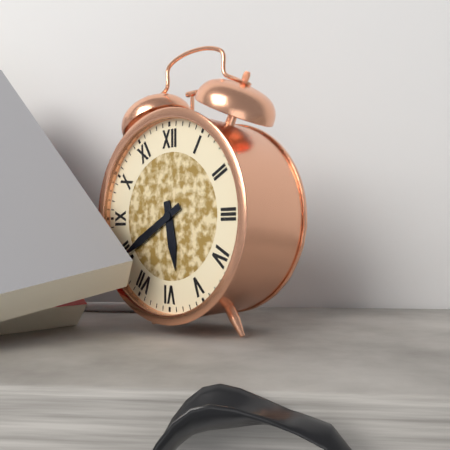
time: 5:40
